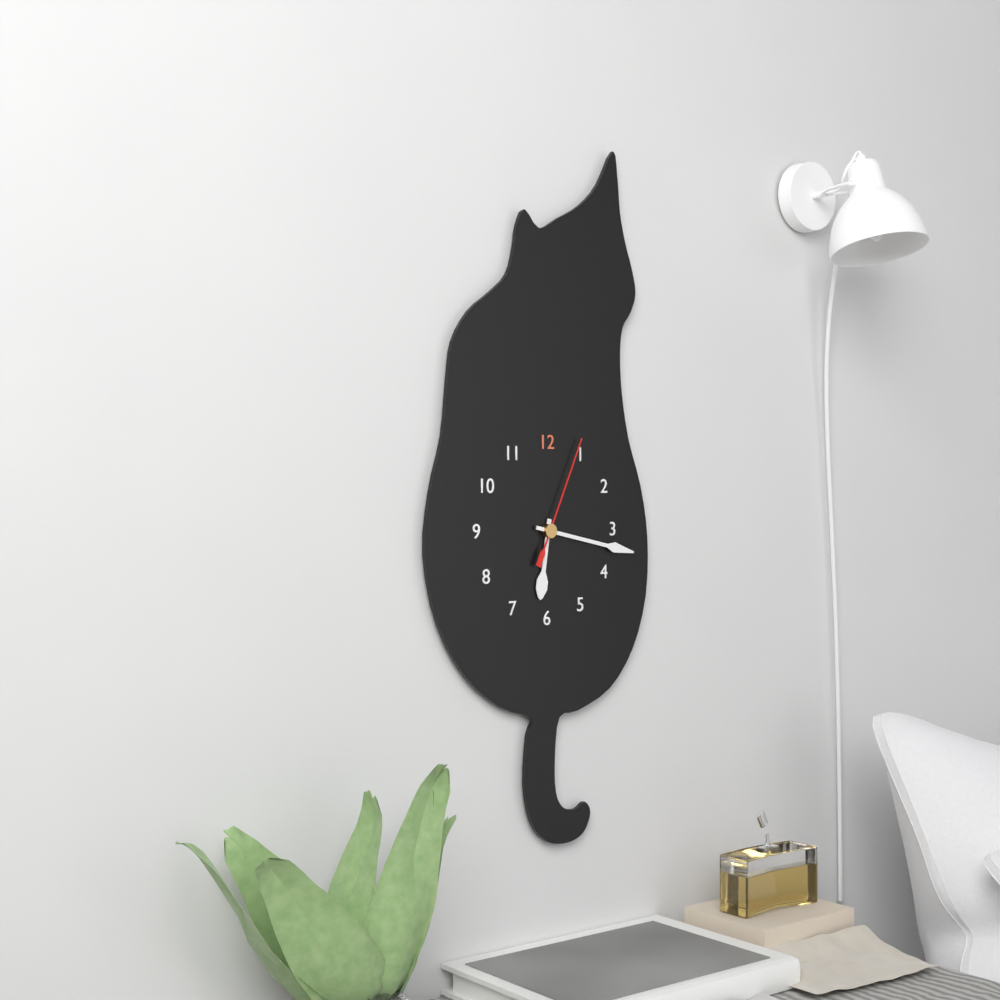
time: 6:17:04
